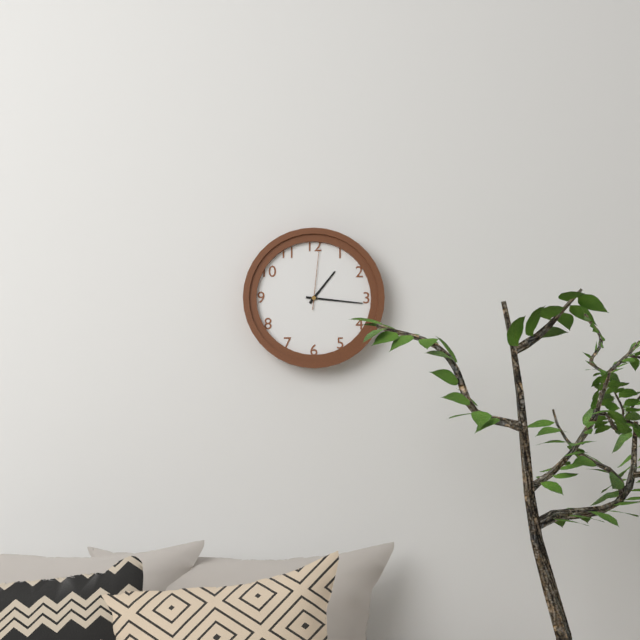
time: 1:16:01
